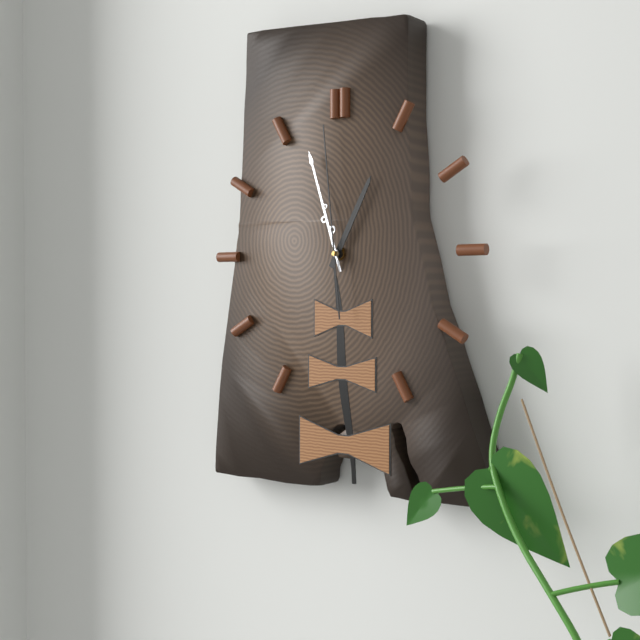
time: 12:57:59
